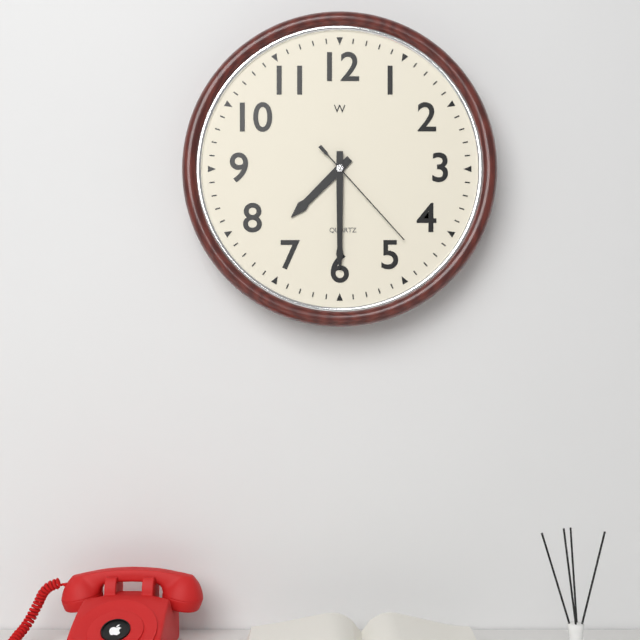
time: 7:30:23
